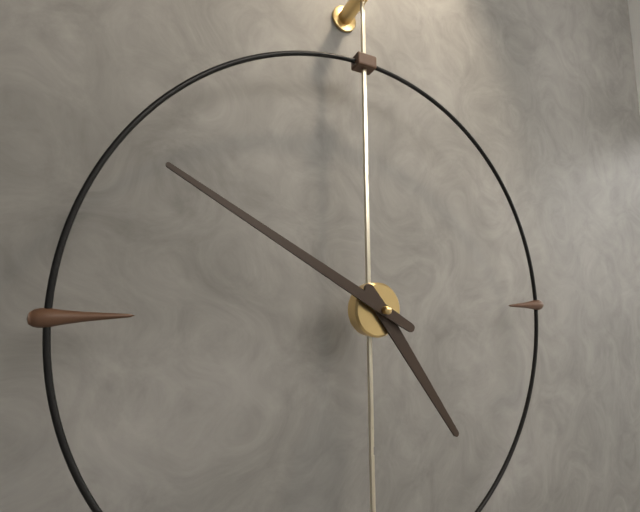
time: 4:50
